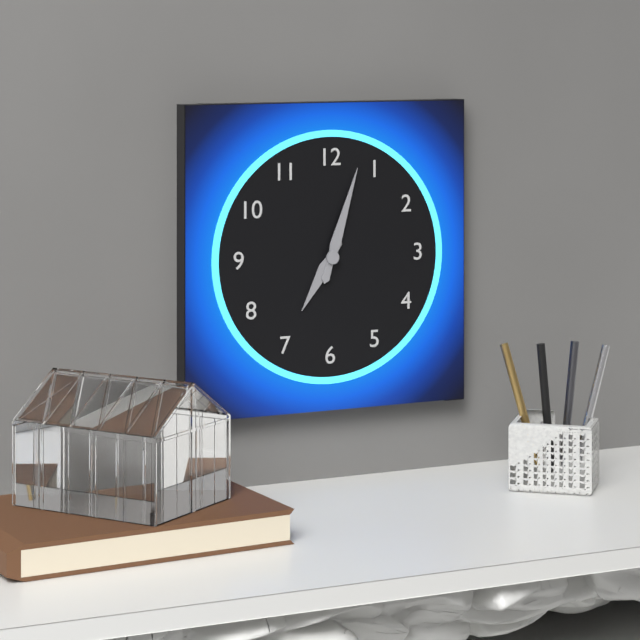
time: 7:03
